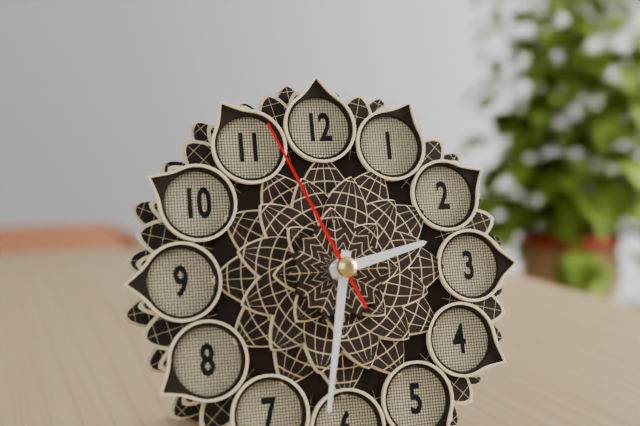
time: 2:32:56
